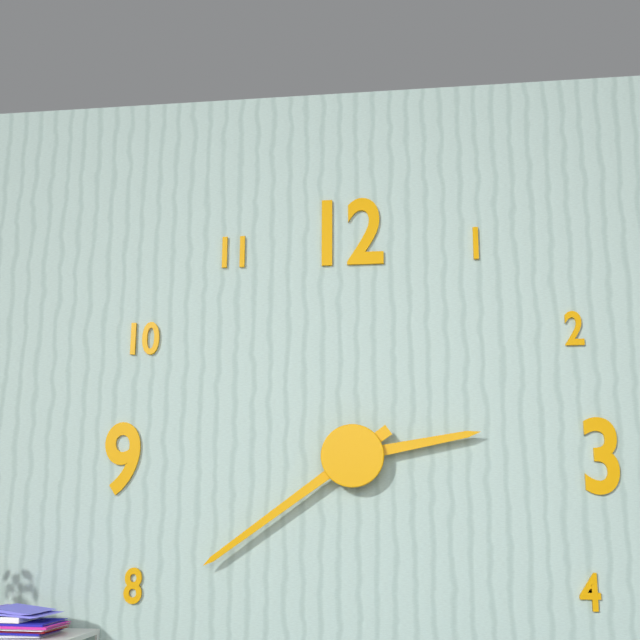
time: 2:39
